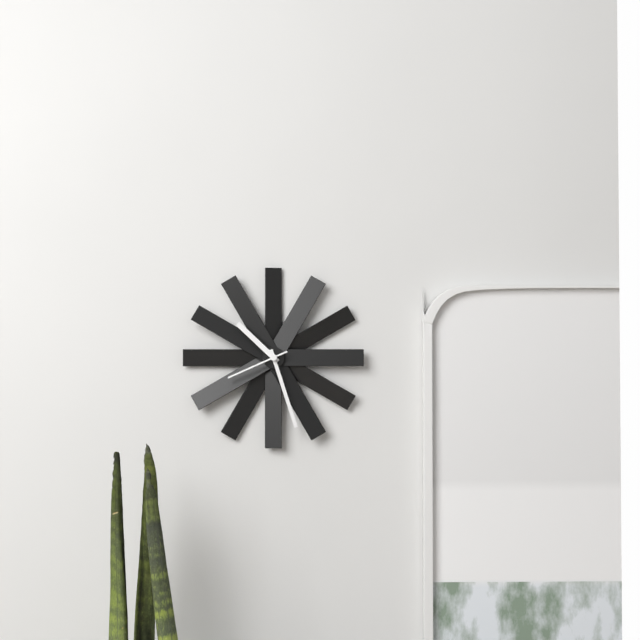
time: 10:27:41
